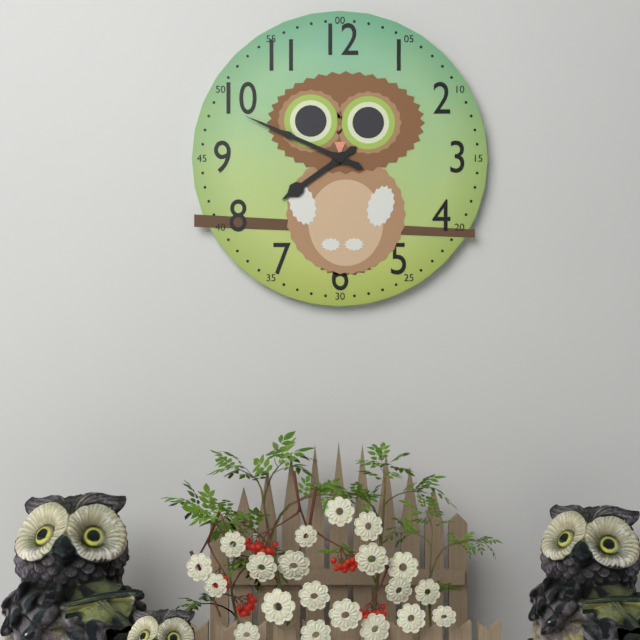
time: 7:49
